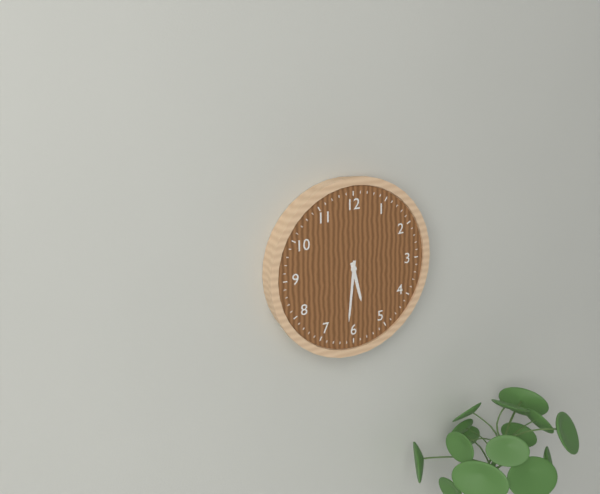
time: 5:31
